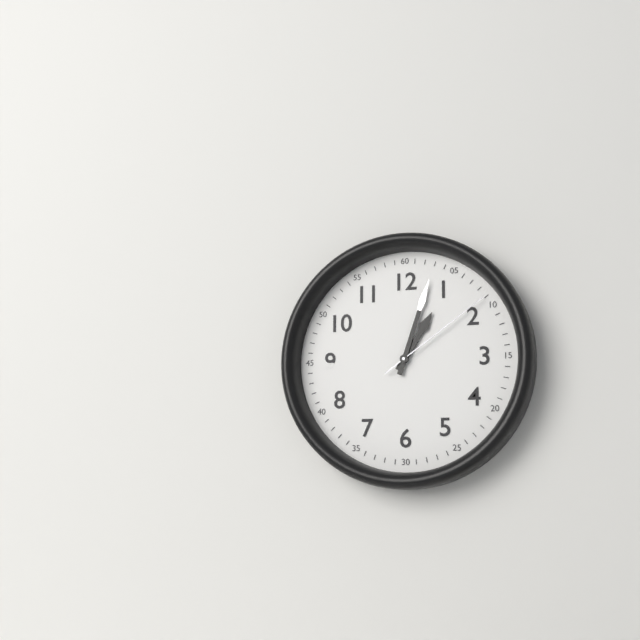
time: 1:03:09
